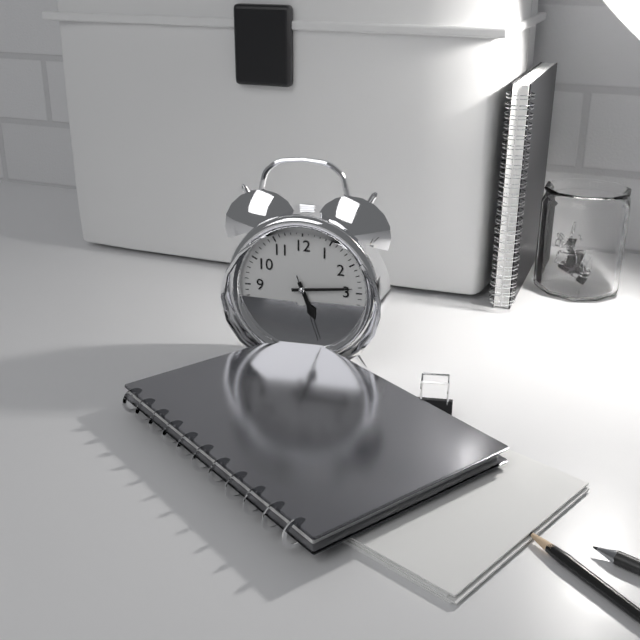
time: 5:14:27
